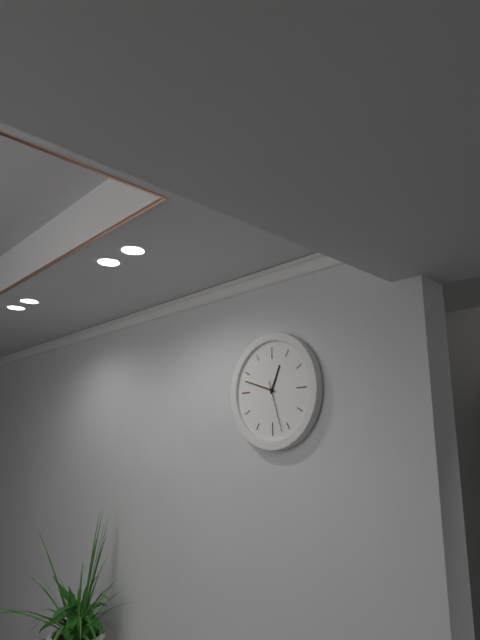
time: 12:48:27
